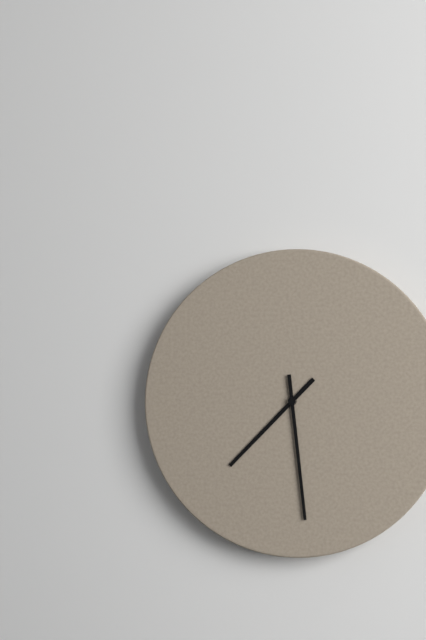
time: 7:29
